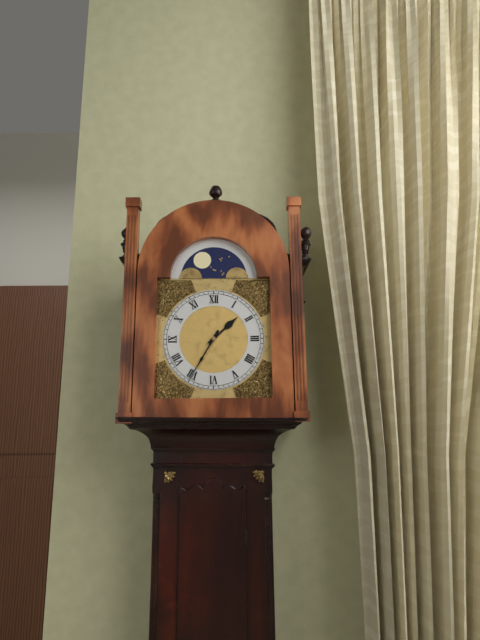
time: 1:35
